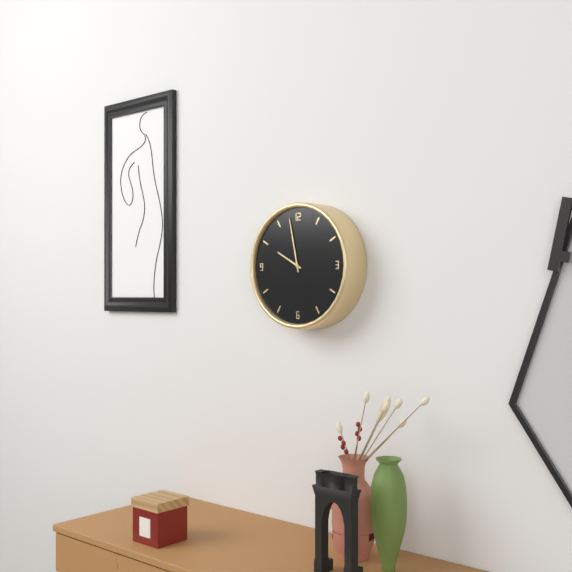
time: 9:58
